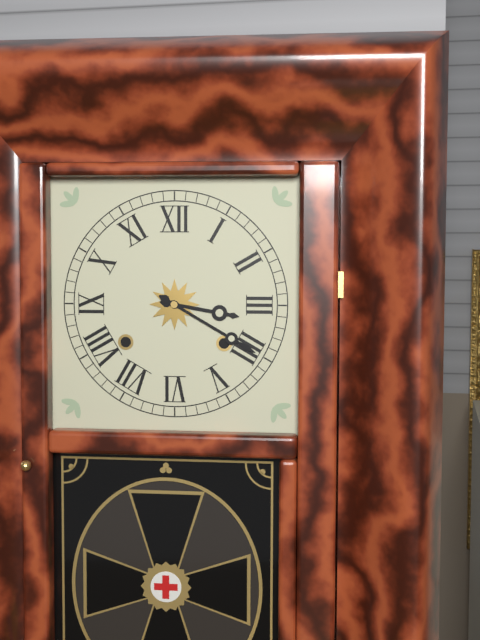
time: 3:20
